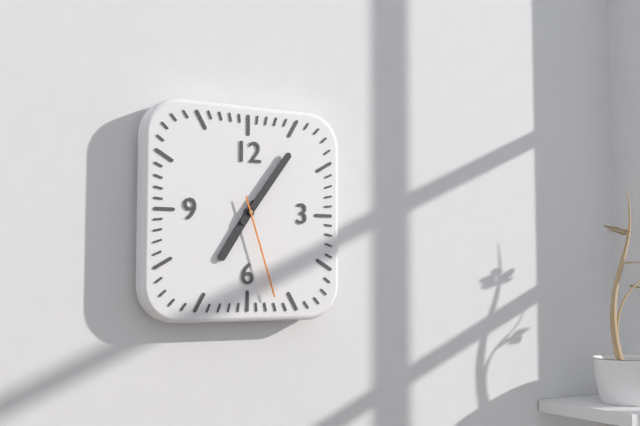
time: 7:06:27
